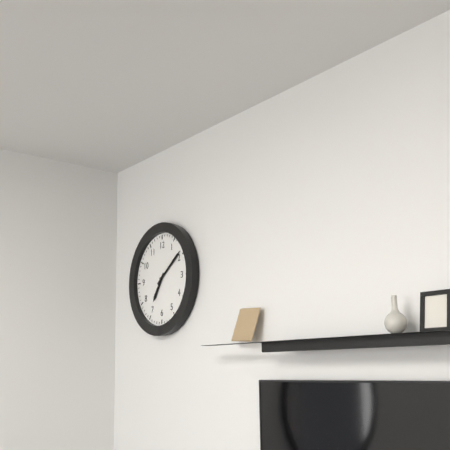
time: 7:09
